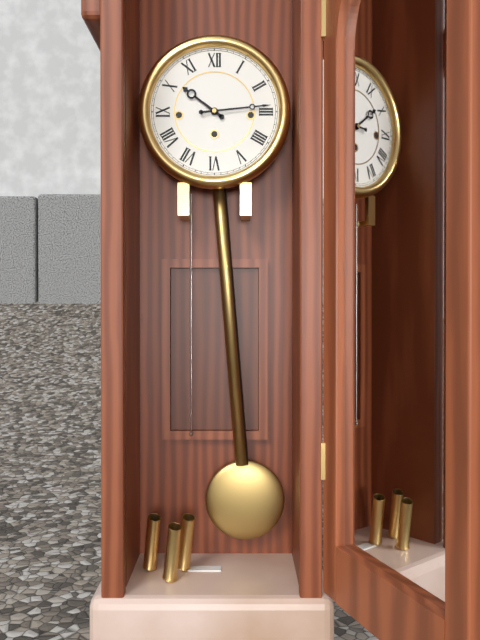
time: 10:14
